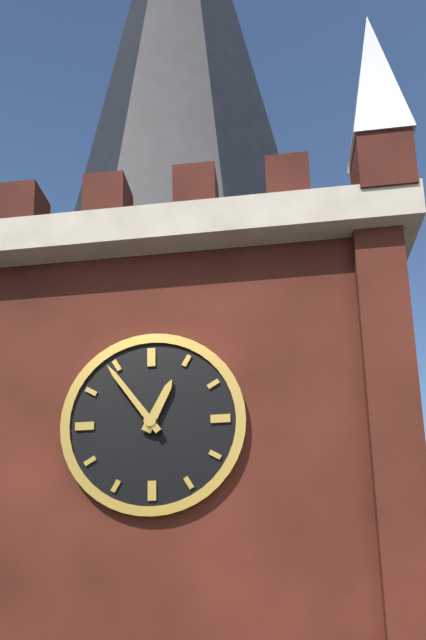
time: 12:54
